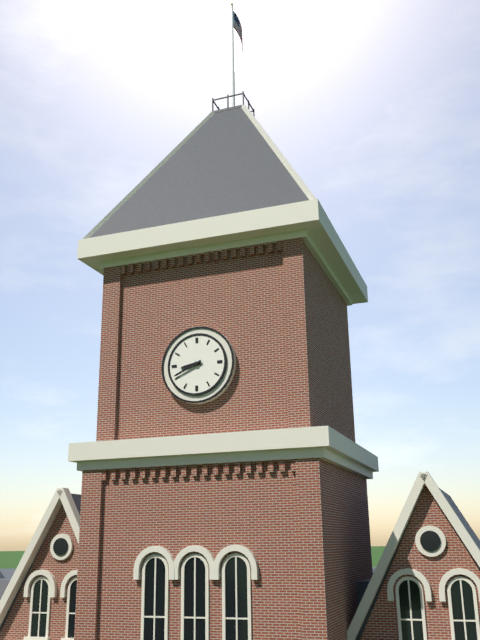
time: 8:41
